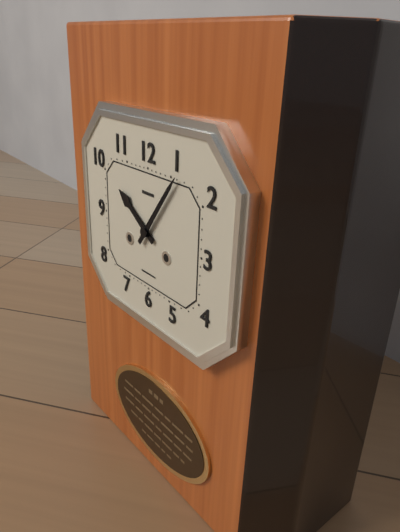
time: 10:06
